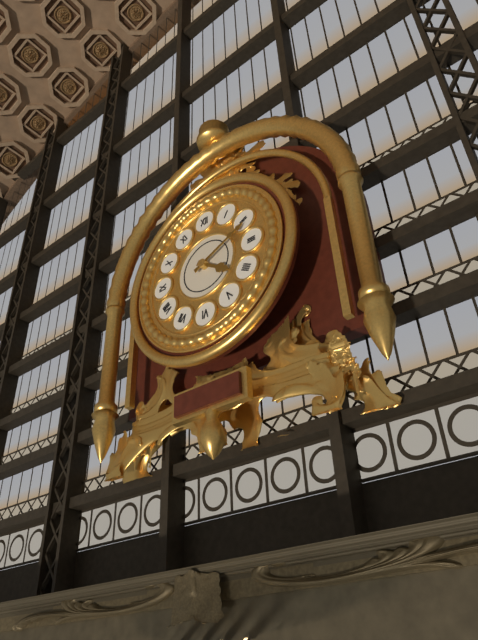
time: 4:11
